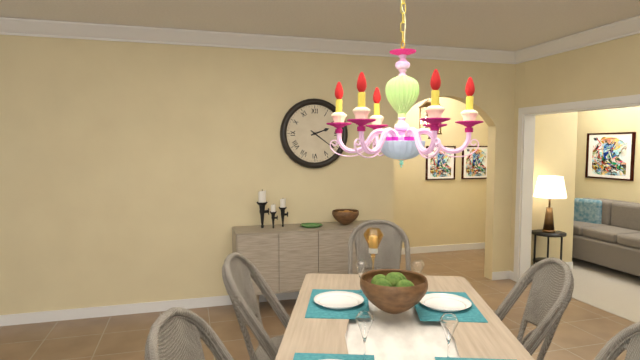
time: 2:21
